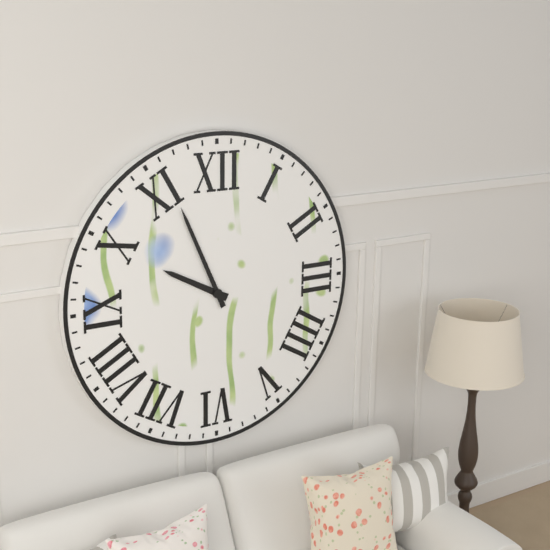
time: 9:56
